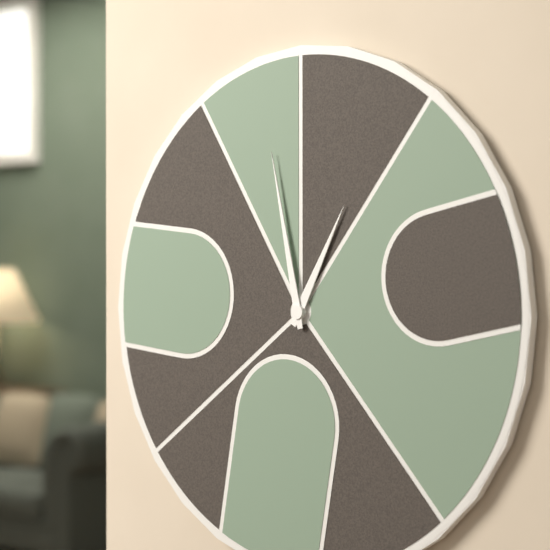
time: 12:58
